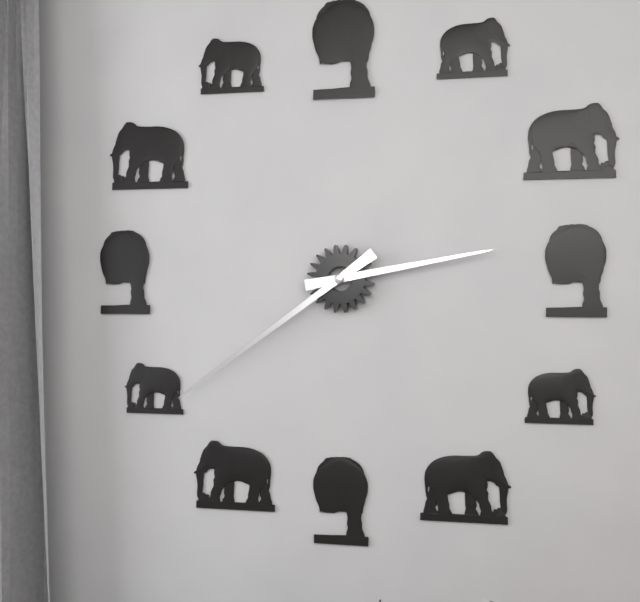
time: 2:39
